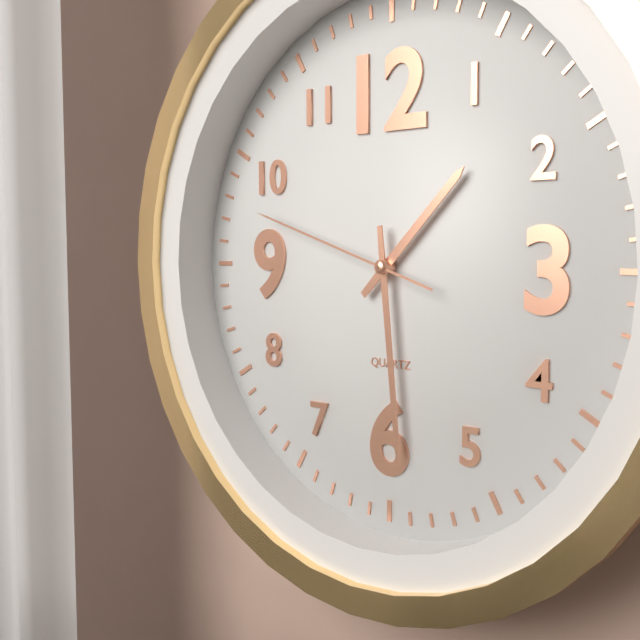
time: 1:29:48
